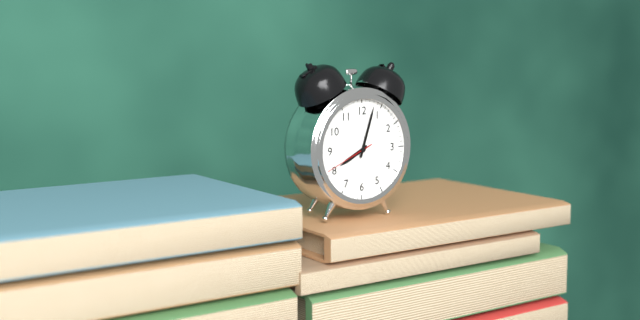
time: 8:03:41
